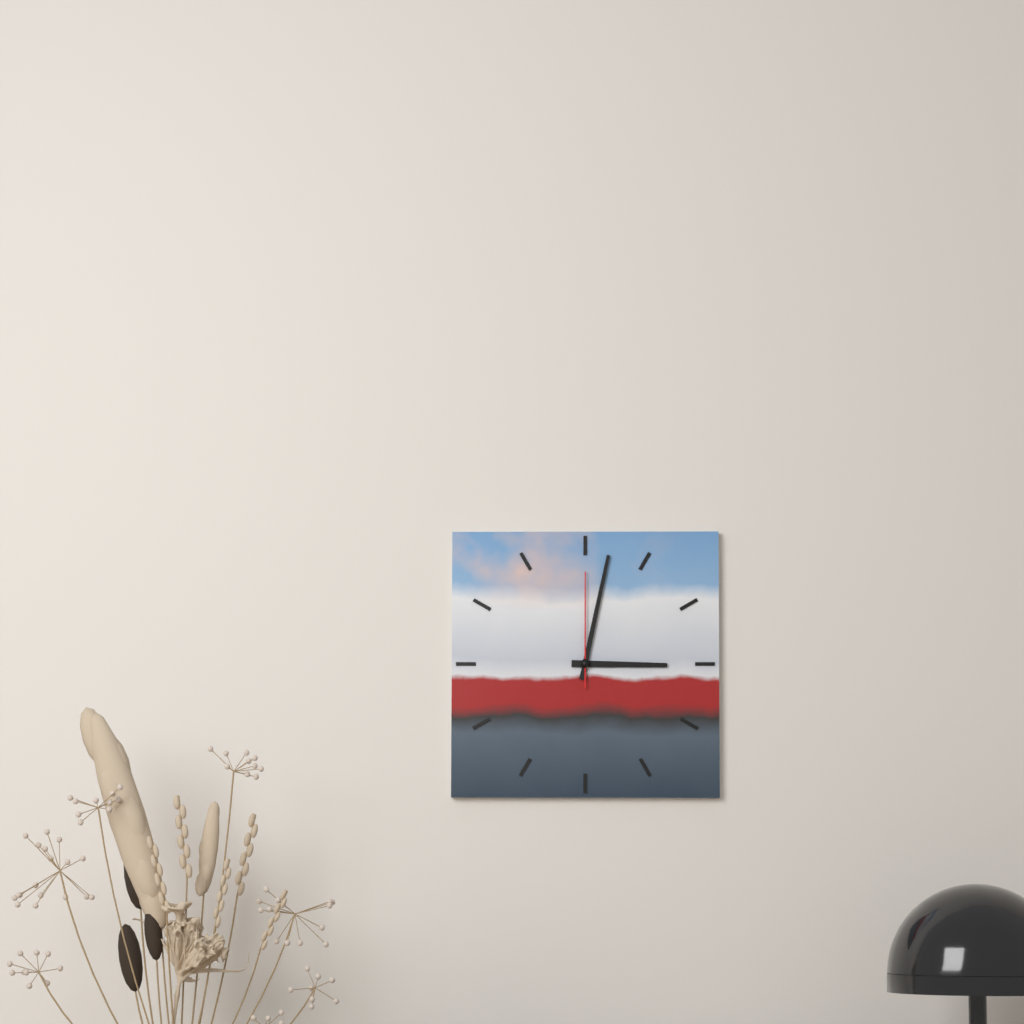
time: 3:02:00
